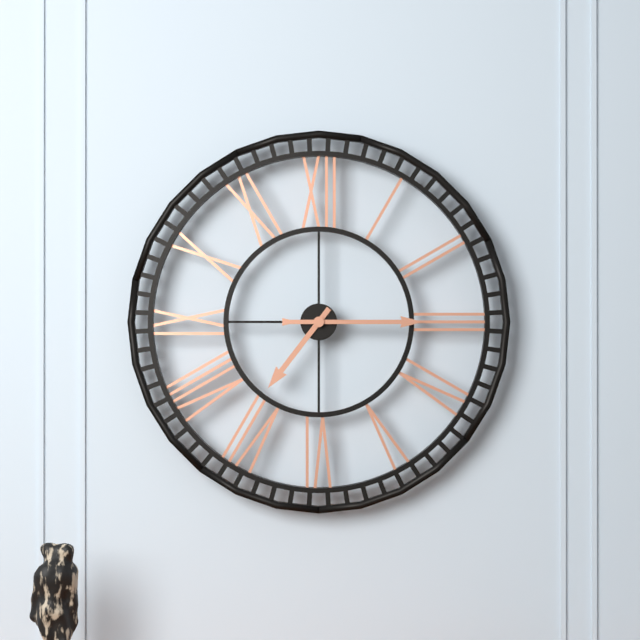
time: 7:15
